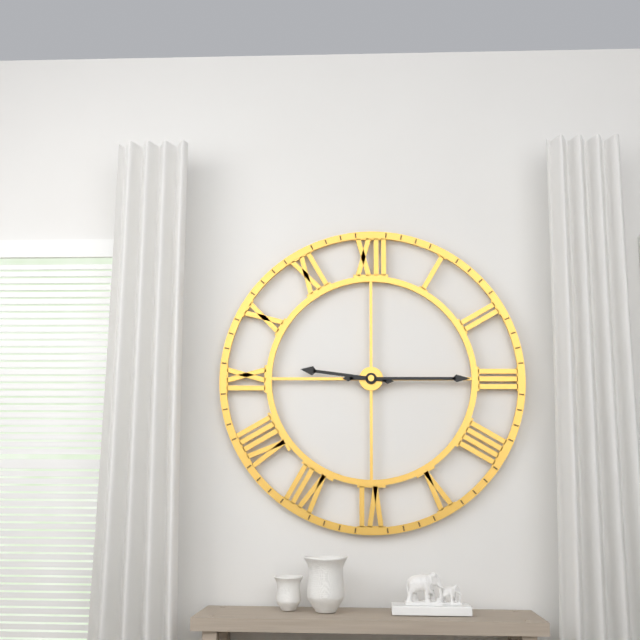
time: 9:15
